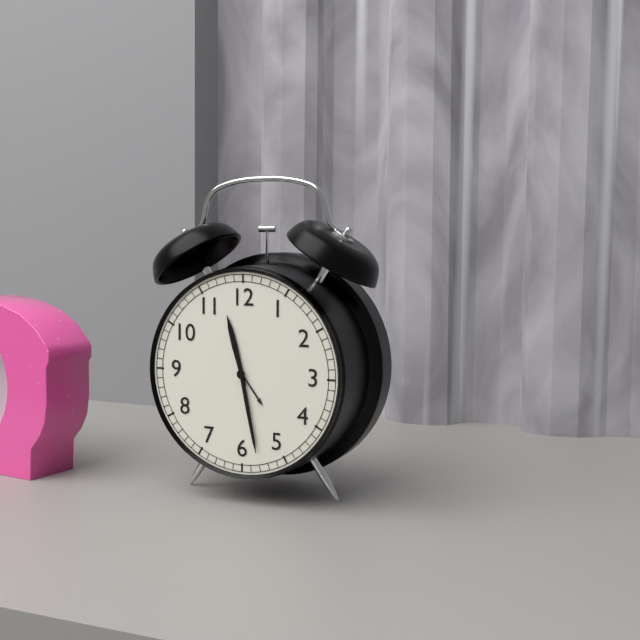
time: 11:28
